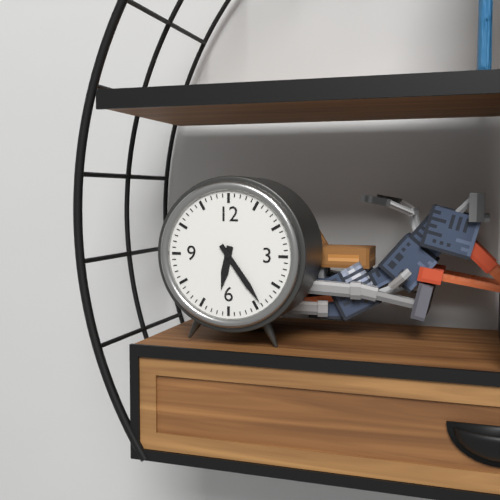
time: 6:24
